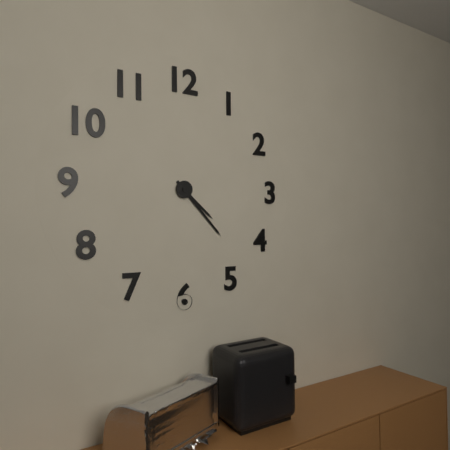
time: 4:23
